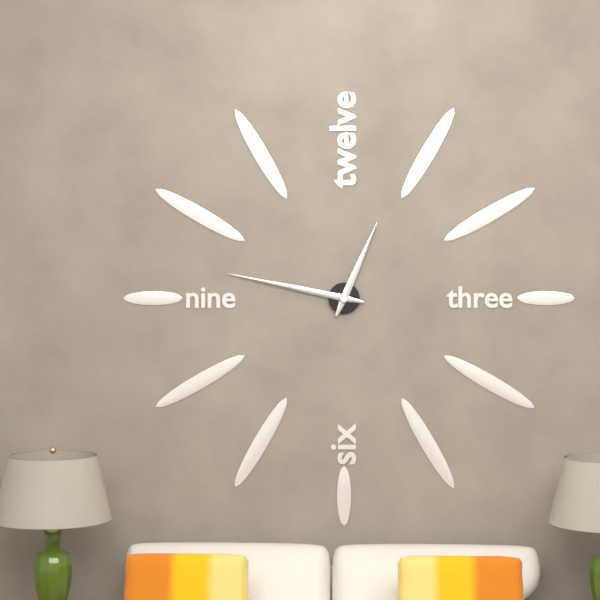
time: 12:47
